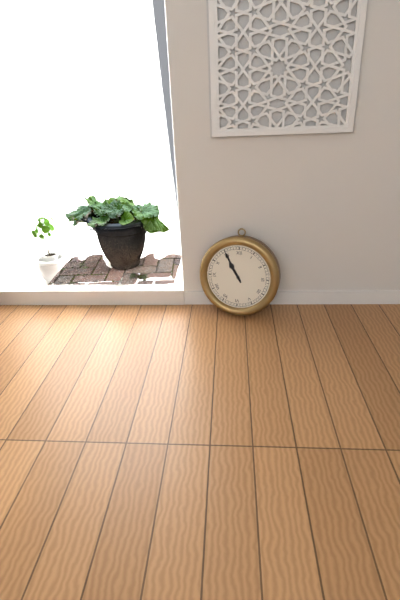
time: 10:55
